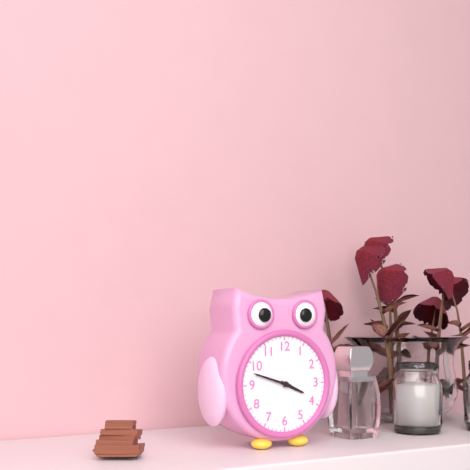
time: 3:48
